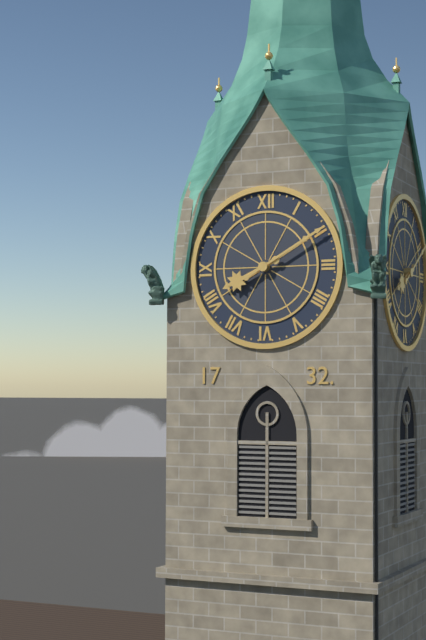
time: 8:10
